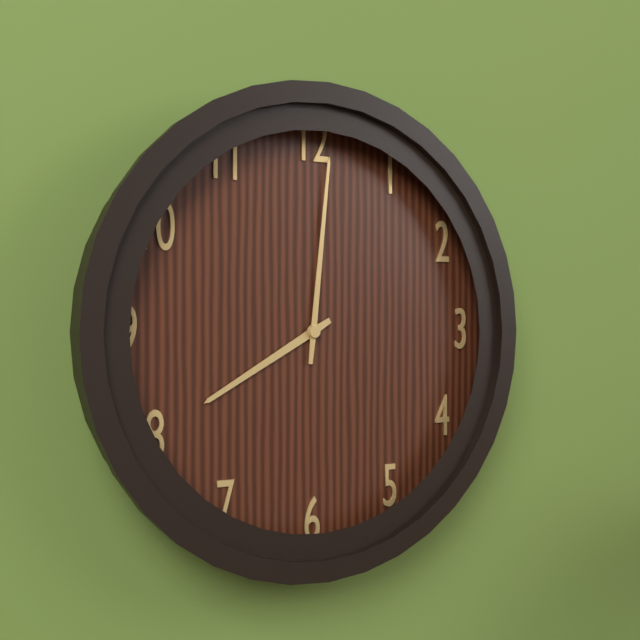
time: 8:01
